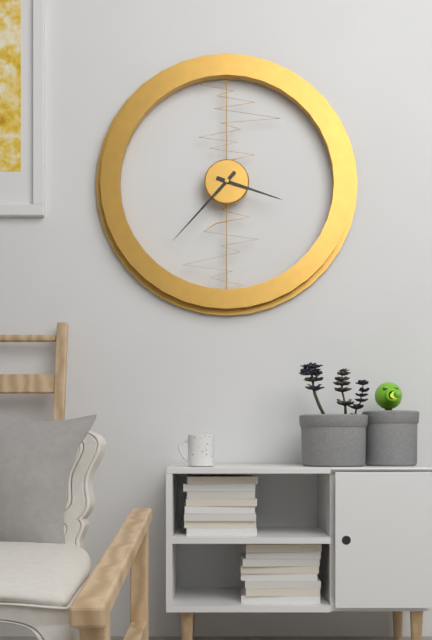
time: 3:37
